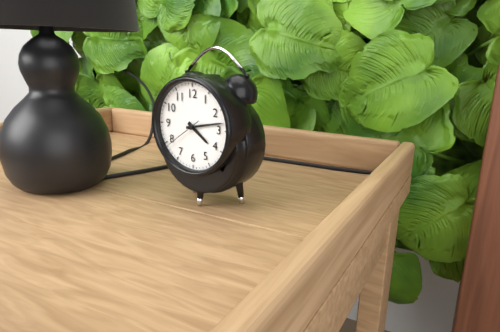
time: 4:13
